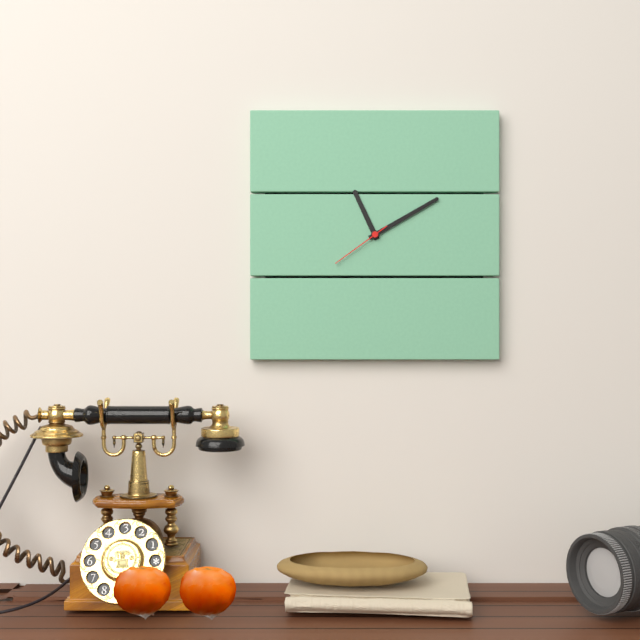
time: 11:10:39
